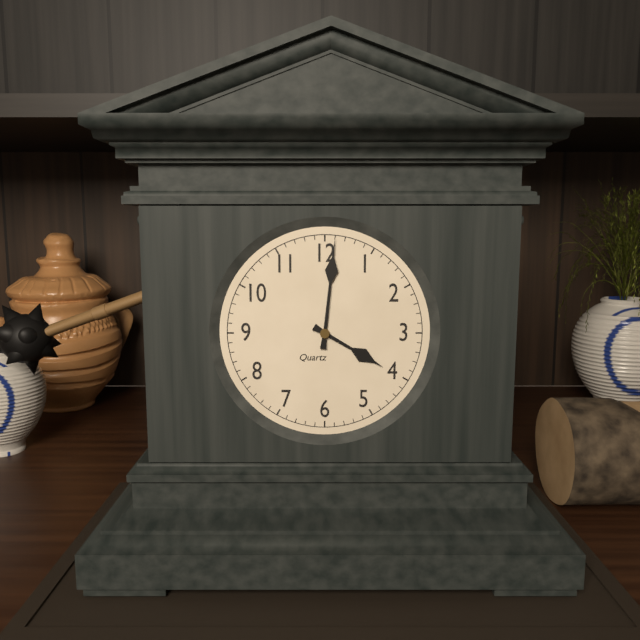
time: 4:01
